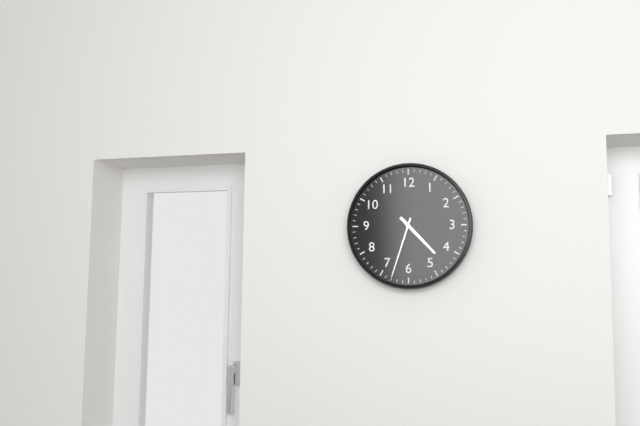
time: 4:33
